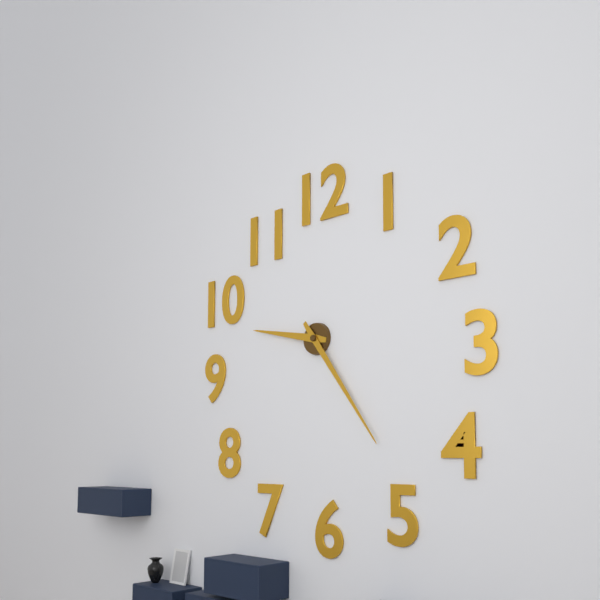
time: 9:24
